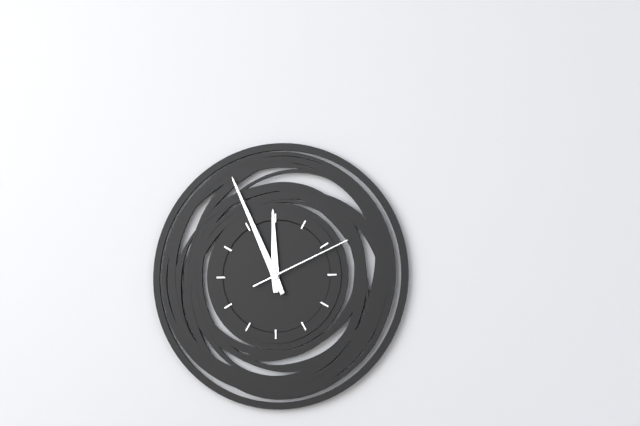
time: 11:56:11
